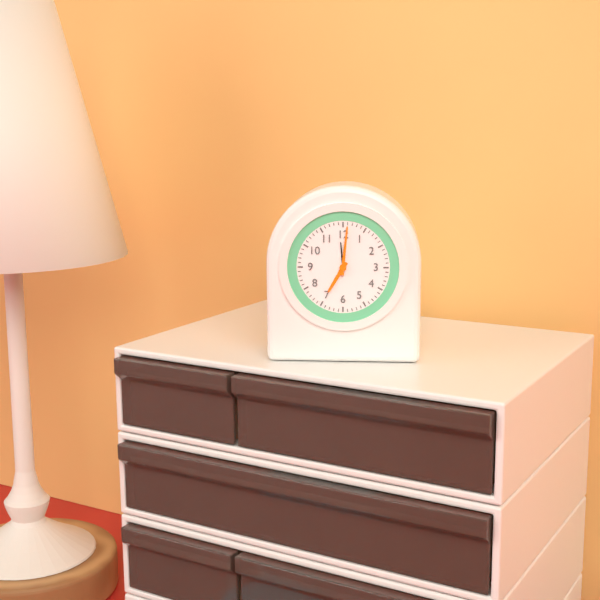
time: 7:01
